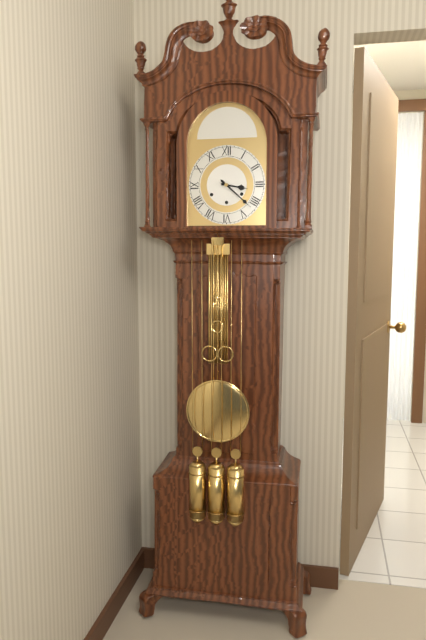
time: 3:22
